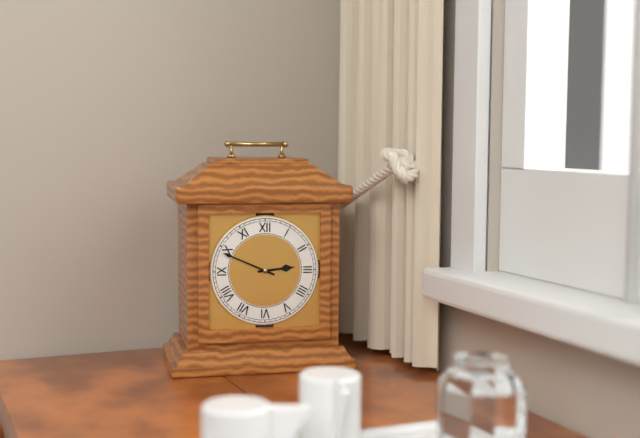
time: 2:49
